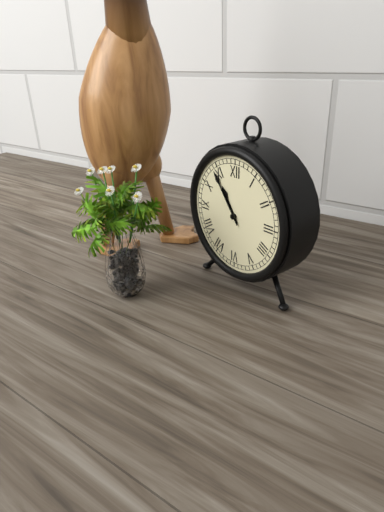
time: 10:54
